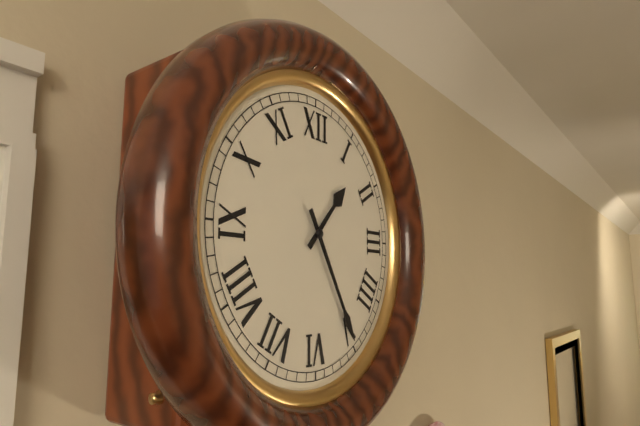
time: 1:25
